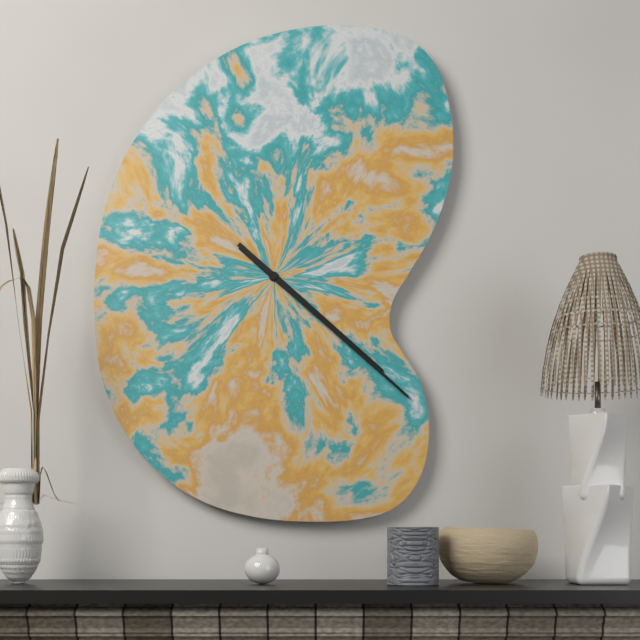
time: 4:22
